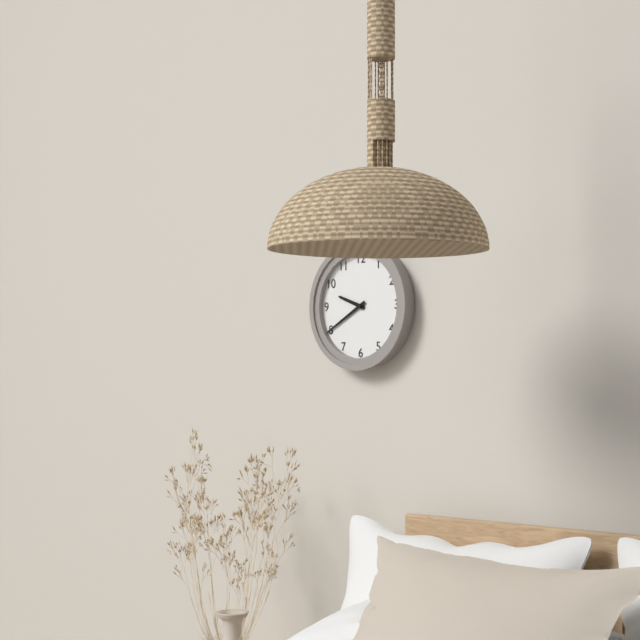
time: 9:40
